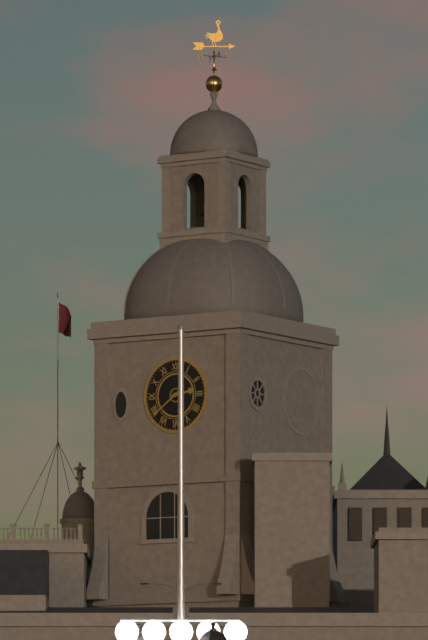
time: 2:39
